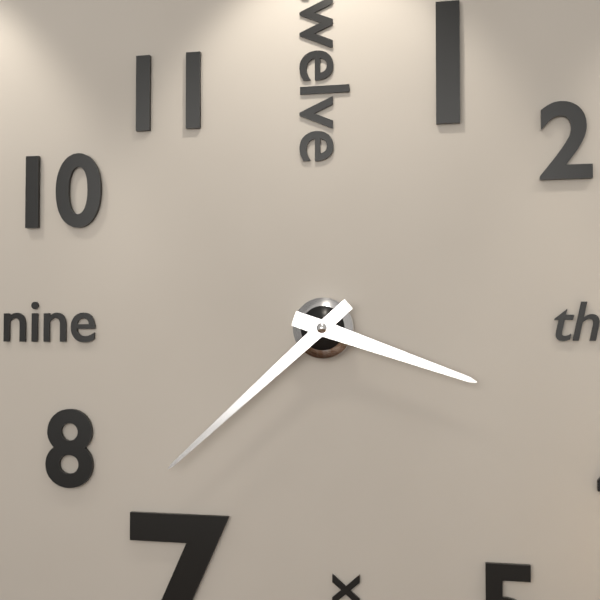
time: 3:38
